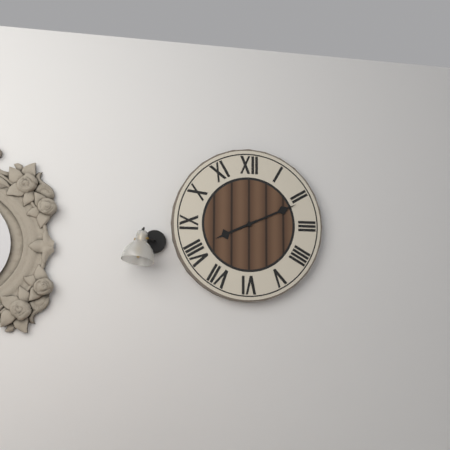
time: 8:11
